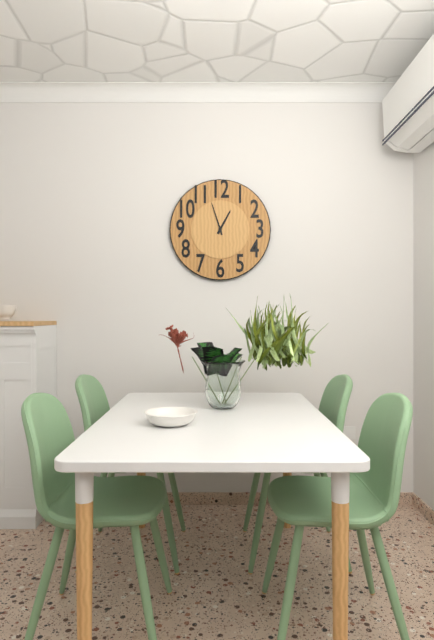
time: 12:57
